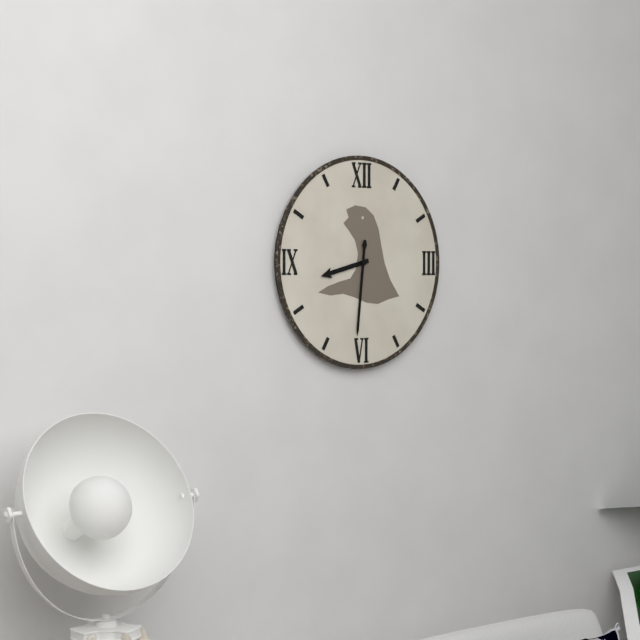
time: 8:31
